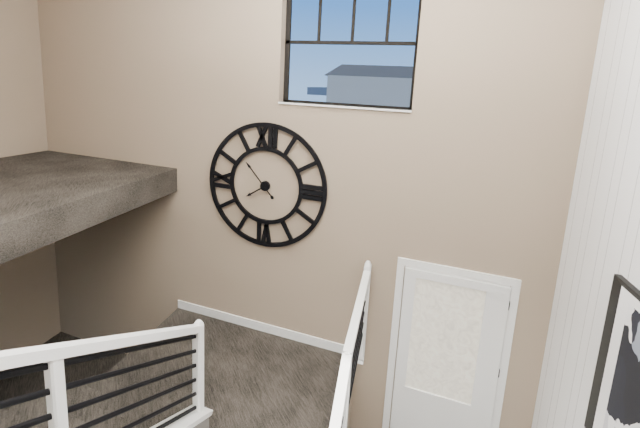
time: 7:53
